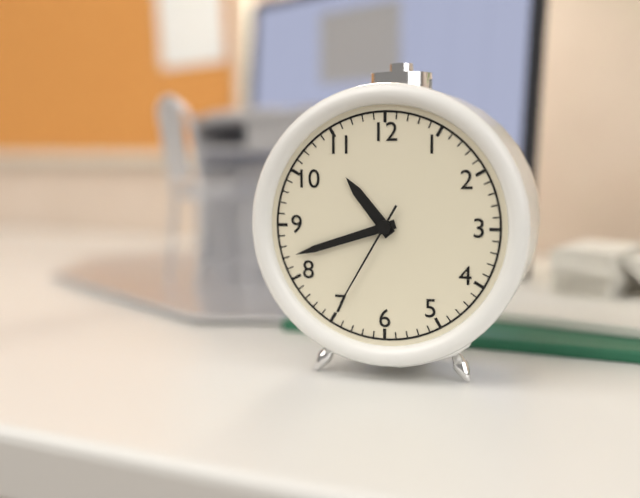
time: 10:42:35
